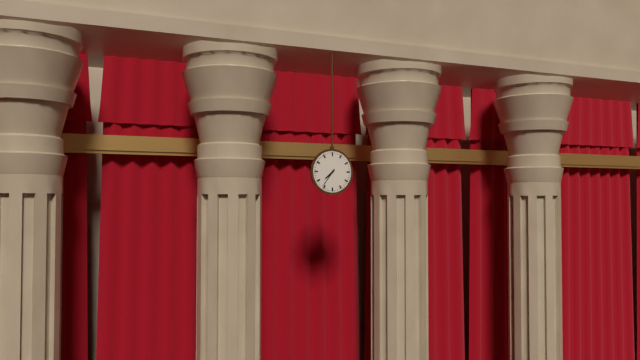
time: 7:36
